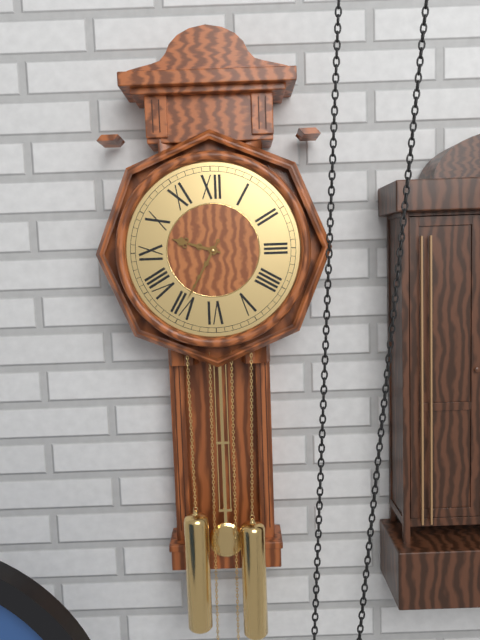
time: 9:35
